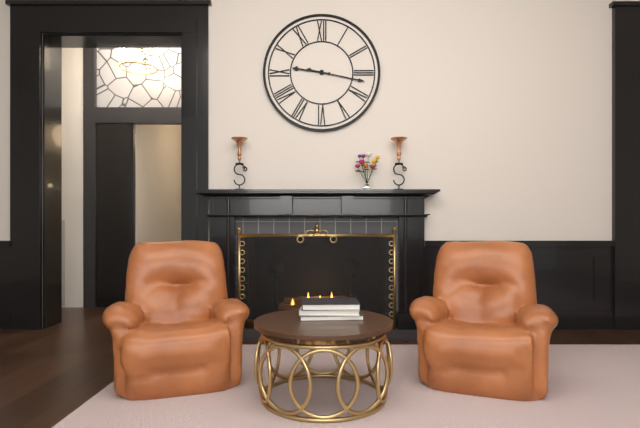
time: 9:17
